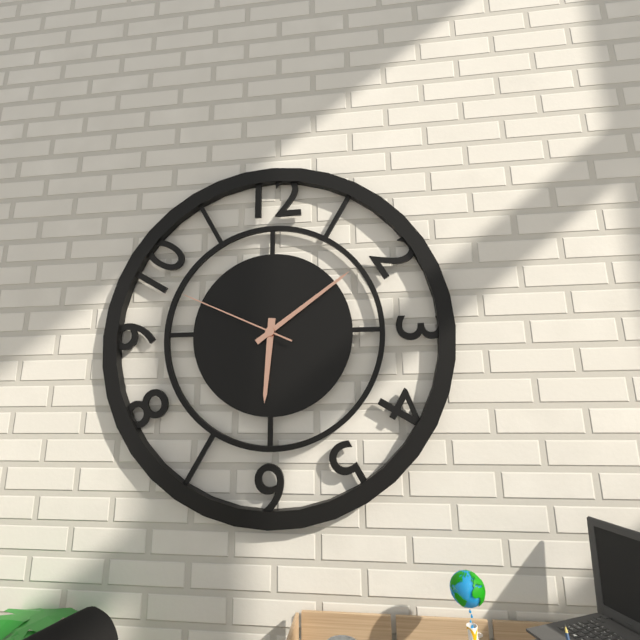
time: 6:09:49
